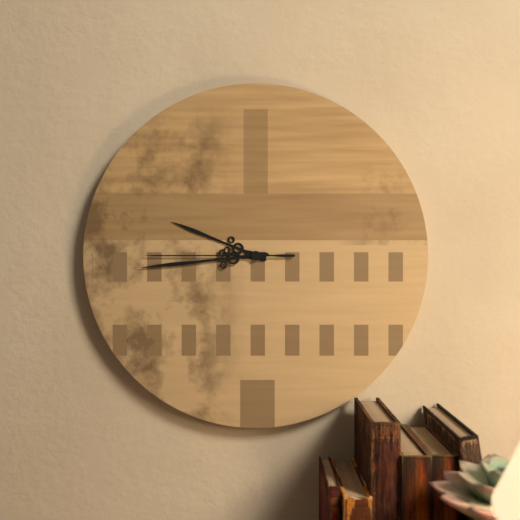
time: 9:44:45
